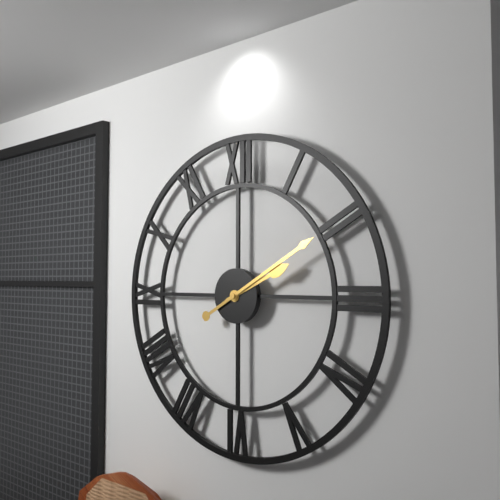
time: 2:10
